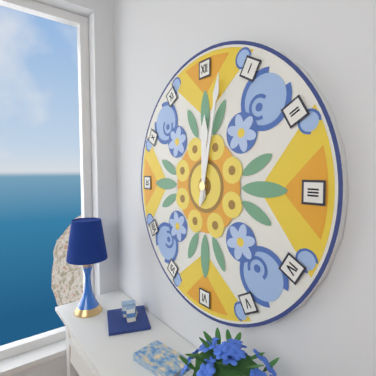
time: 12:02
